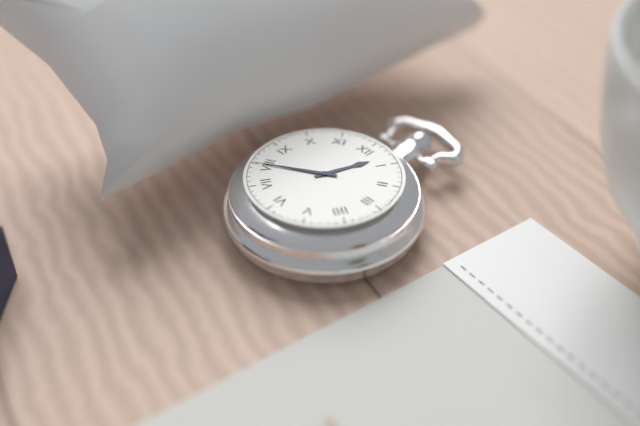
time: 12:40
